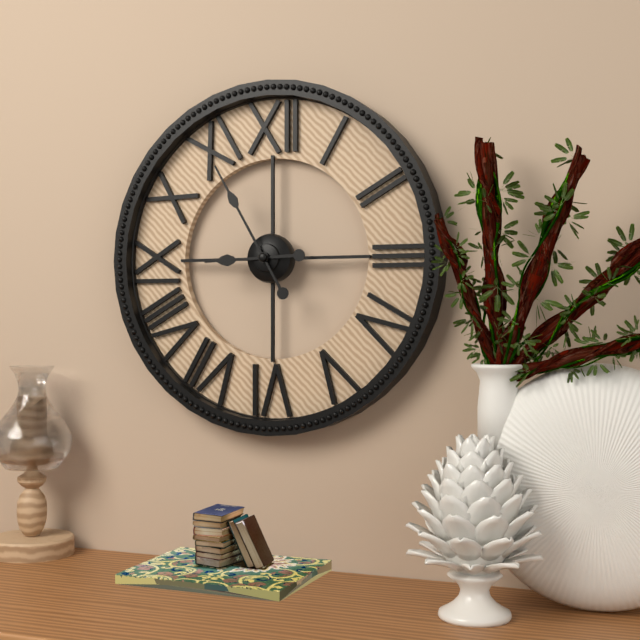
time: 8:55
